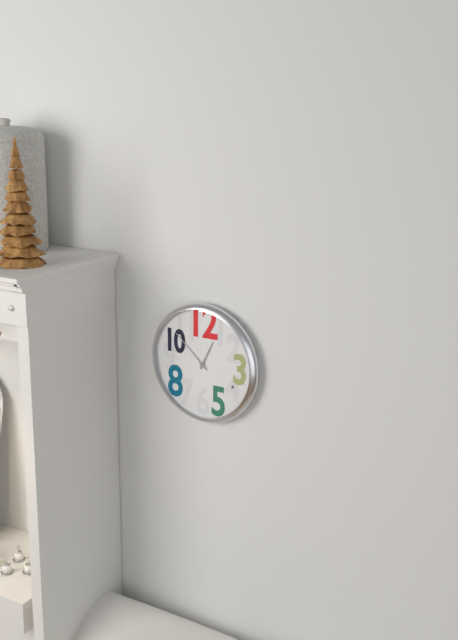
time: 12:52
